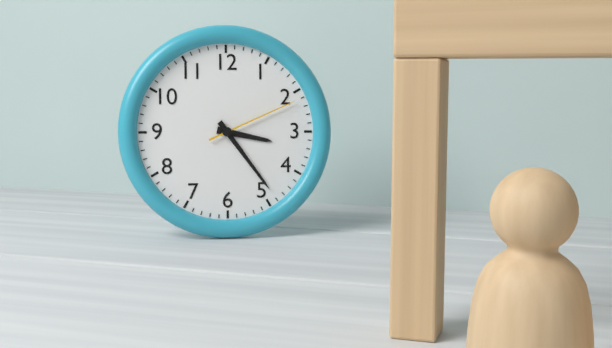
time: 3:24:11
